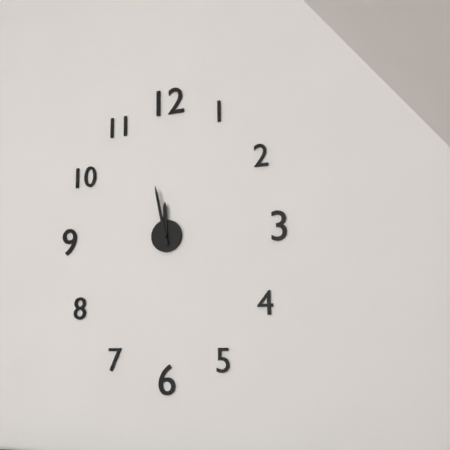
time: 11:58
